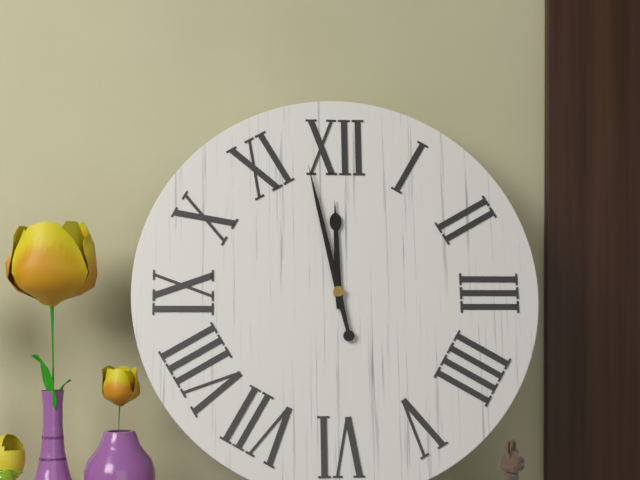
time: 11:58
